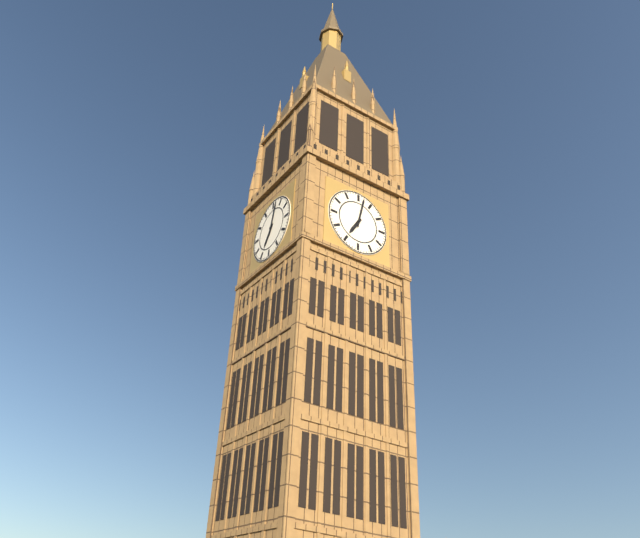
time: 7:02
